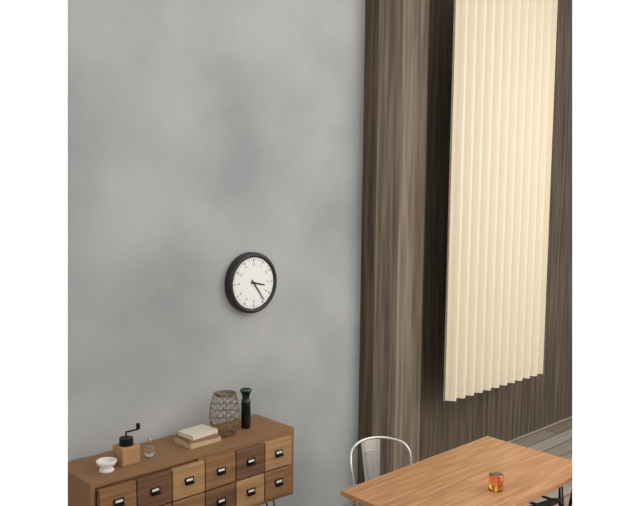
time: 3:24
